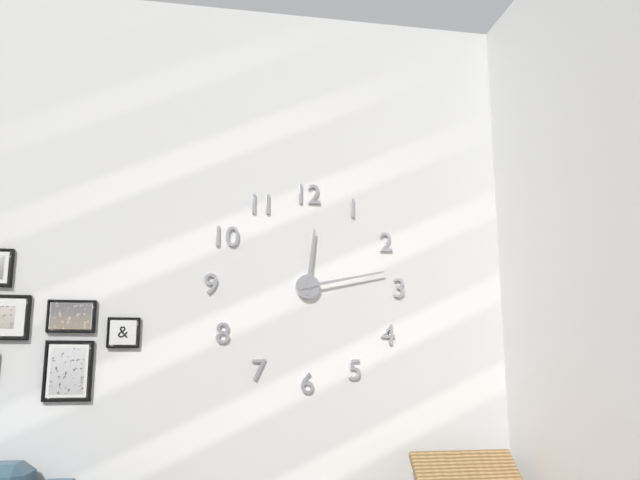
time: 12:13
